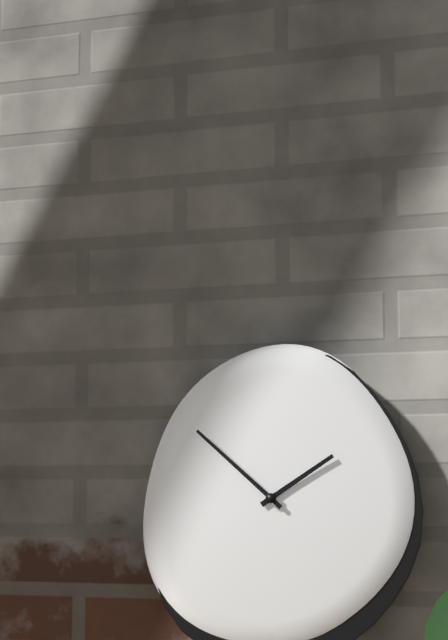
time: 1:52
